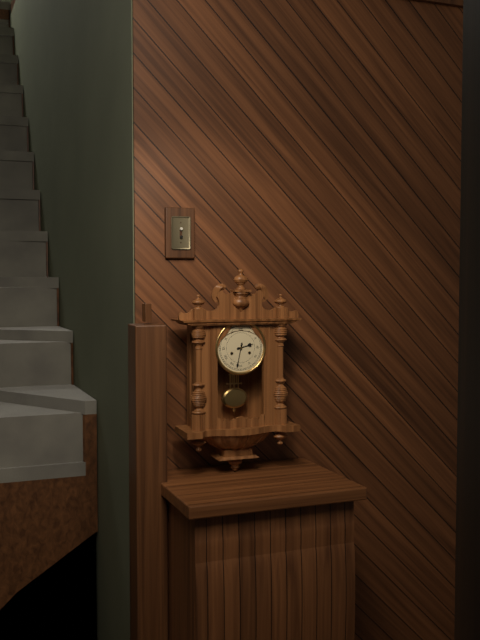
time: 2:32
